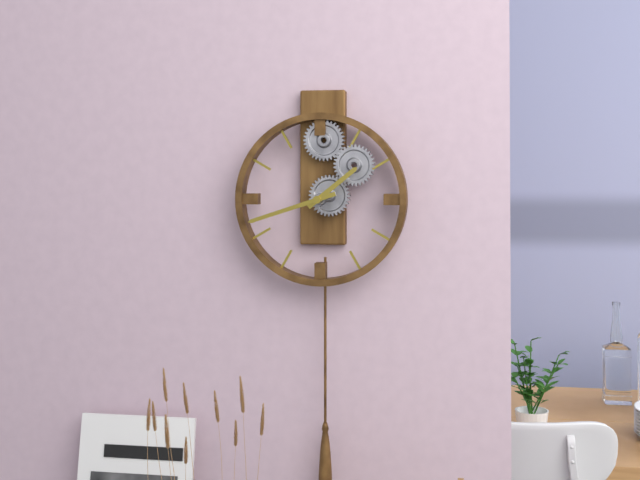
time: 1:42
